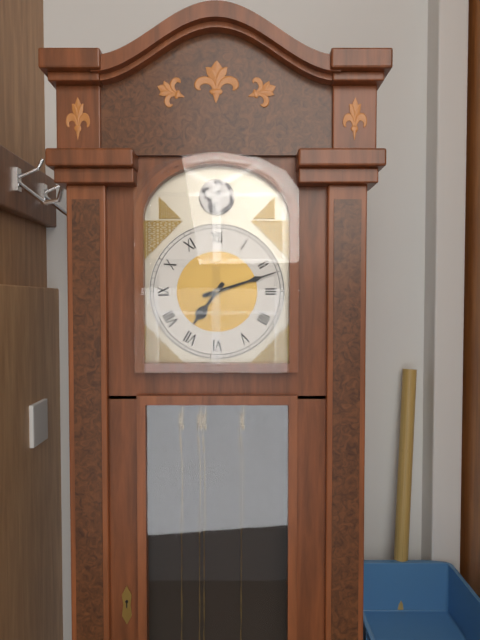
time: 7:12
